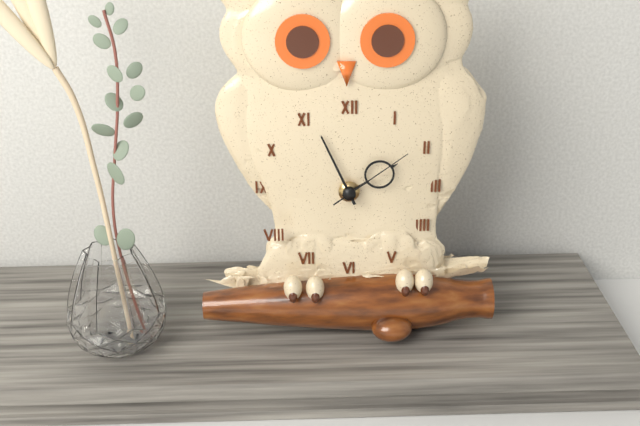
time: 1:56:09
